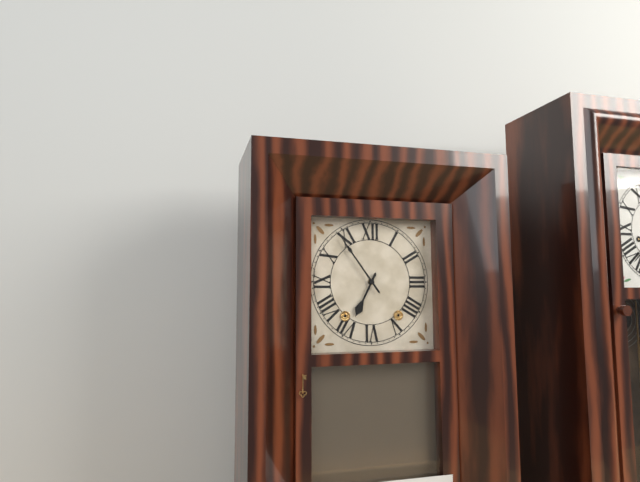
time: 6:54
